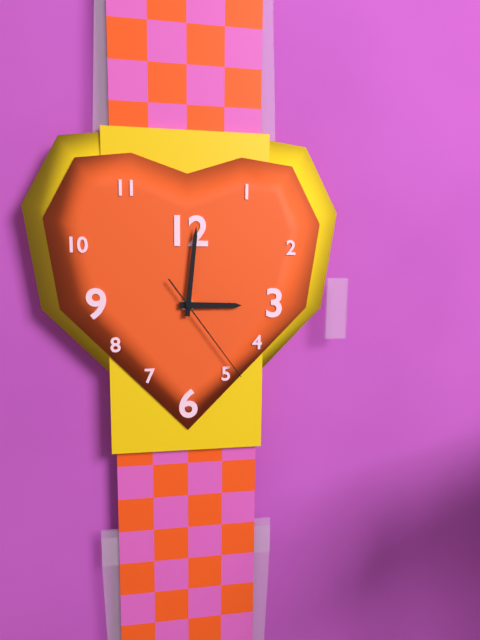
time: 3:01:24
